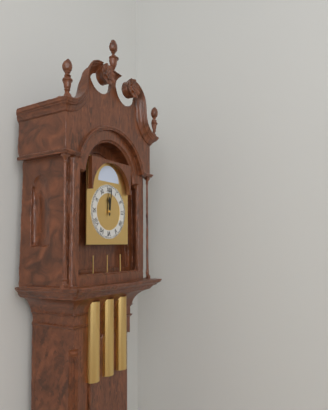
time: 12:01
